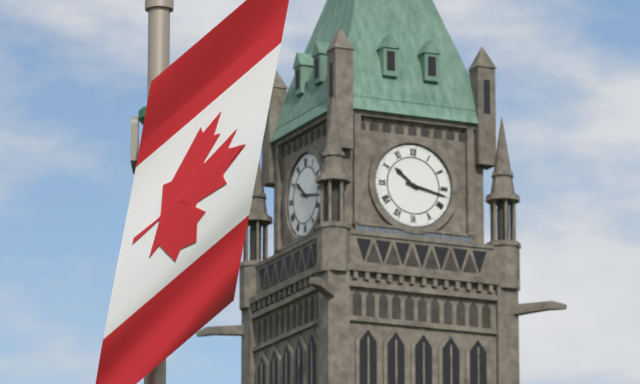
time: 10:17
